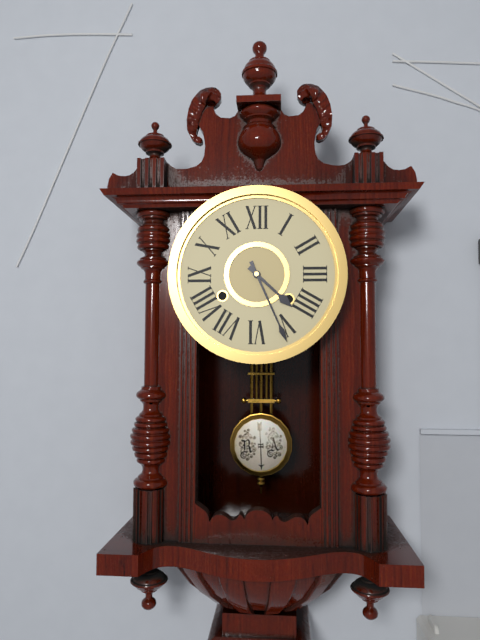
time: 4:26
